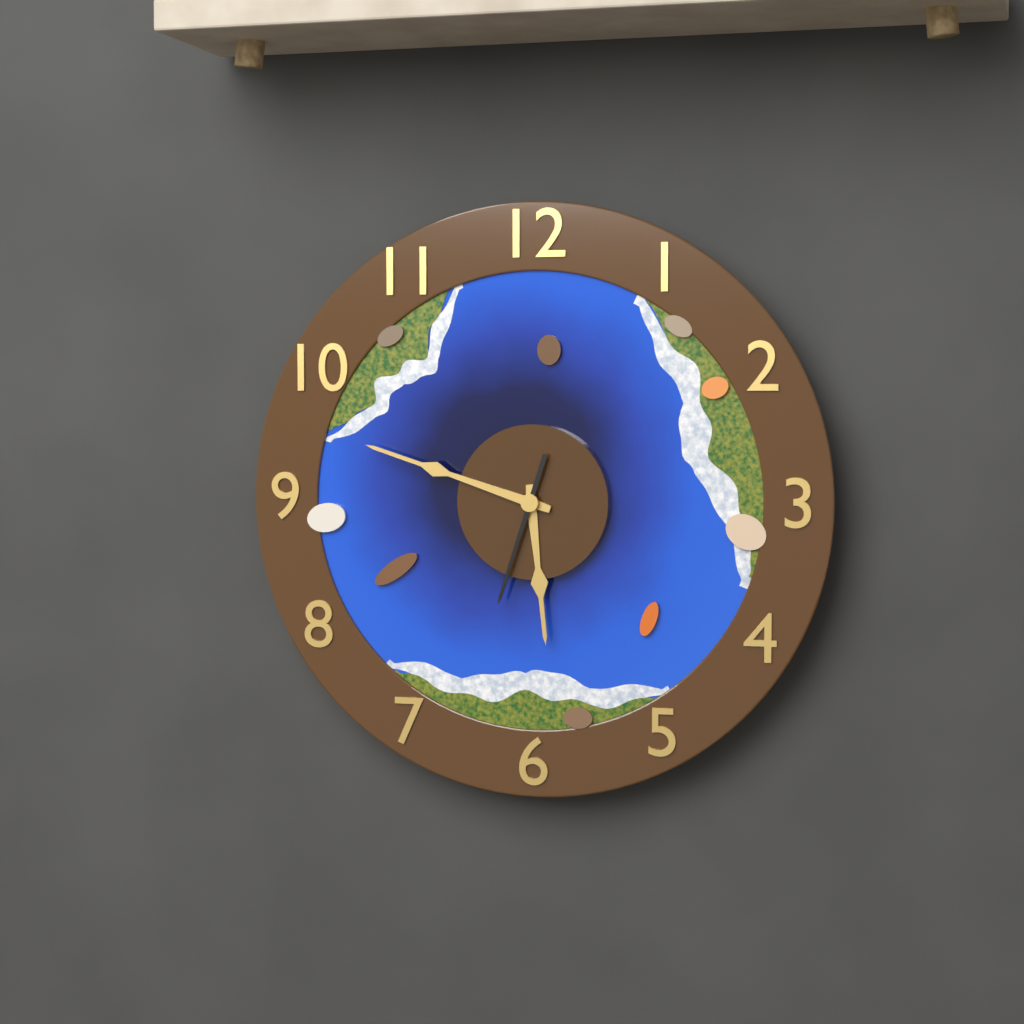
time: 5:48:33
